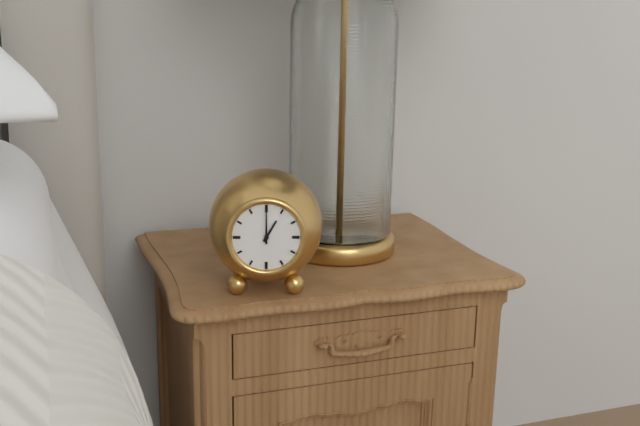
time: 1:00
